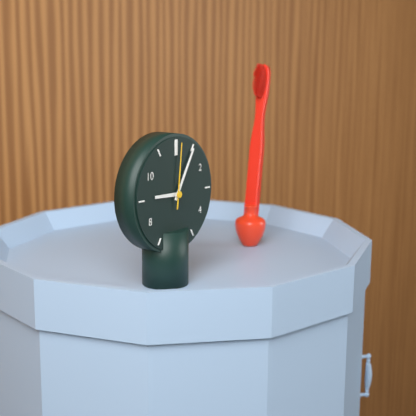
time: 9:05:01
